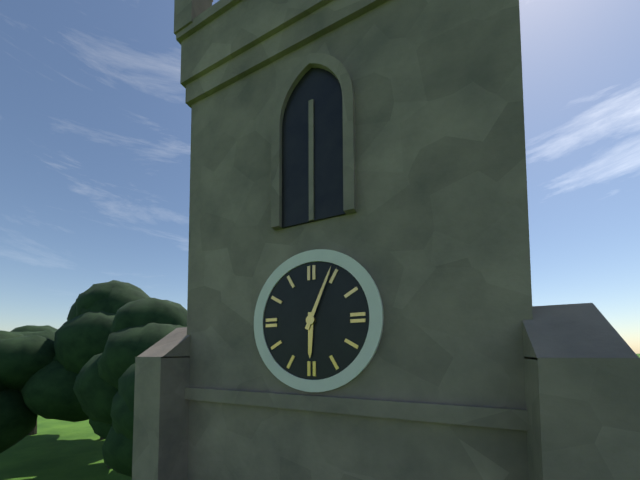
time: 6:04
